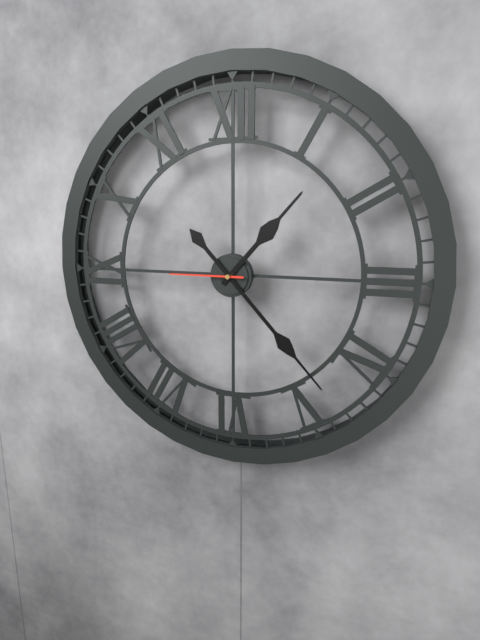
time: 1:23:45
